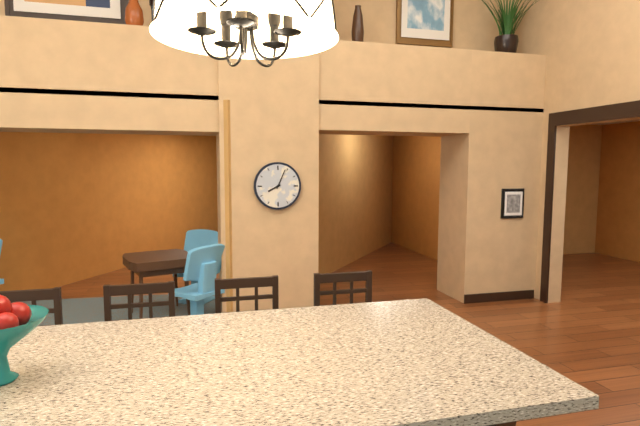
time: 8:04
